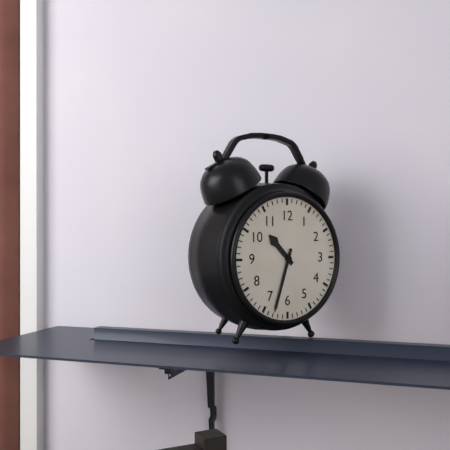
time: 10:33
